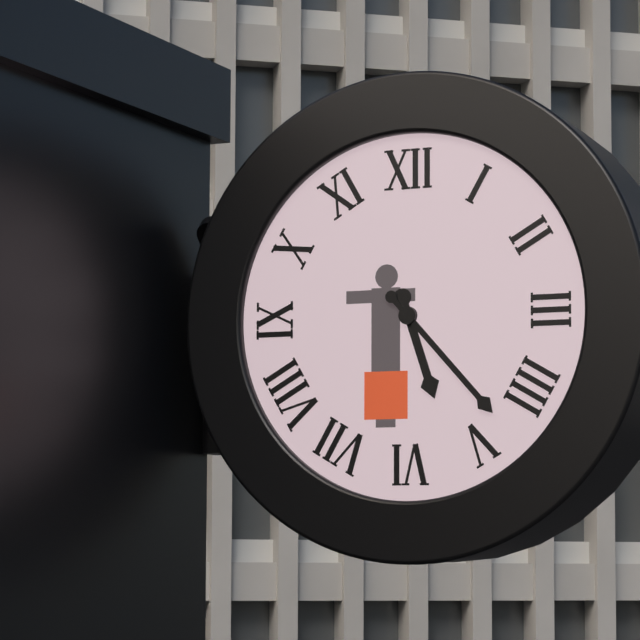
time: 5:23
